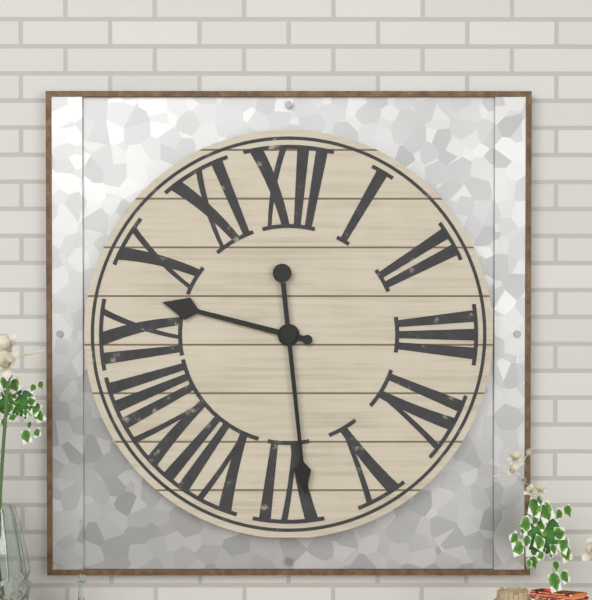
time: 9:29
